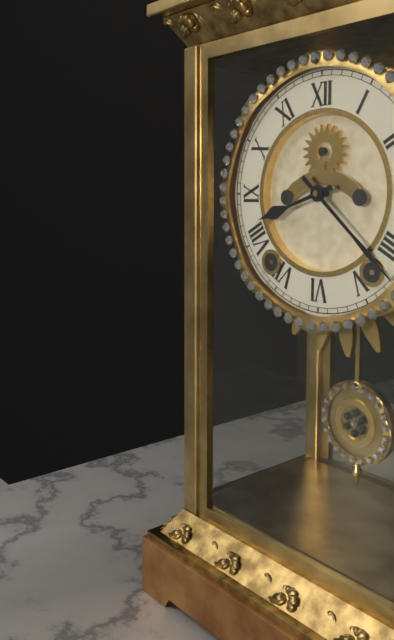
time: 8:22
